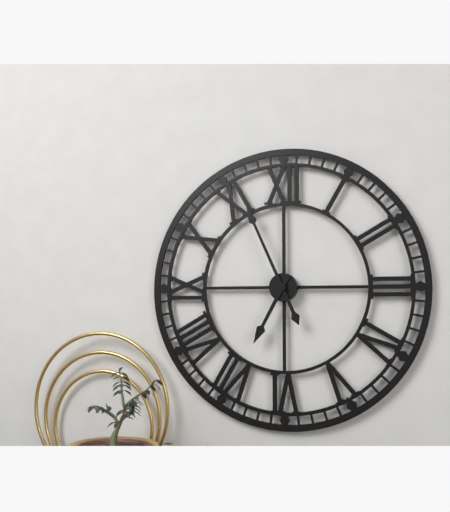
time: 6:56
